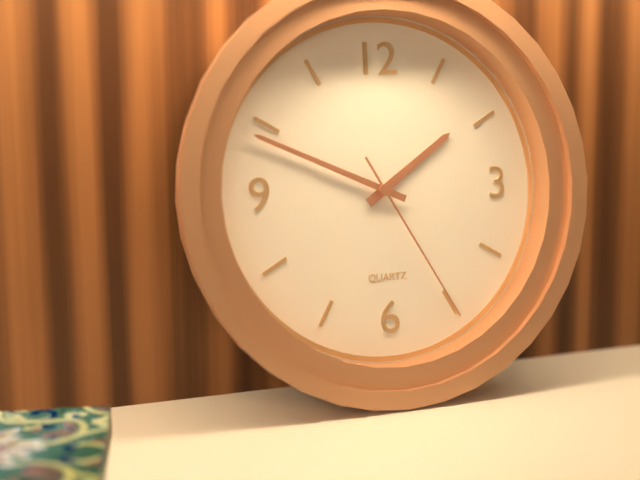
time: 1:49:25
